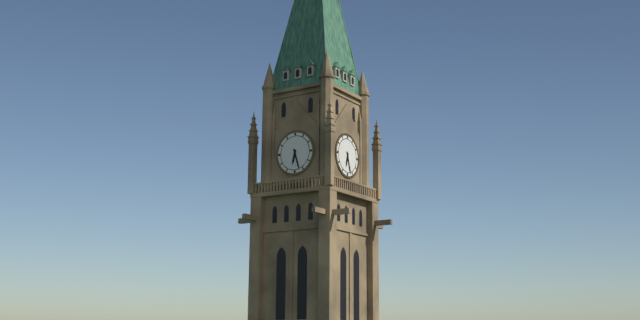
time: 6:27
